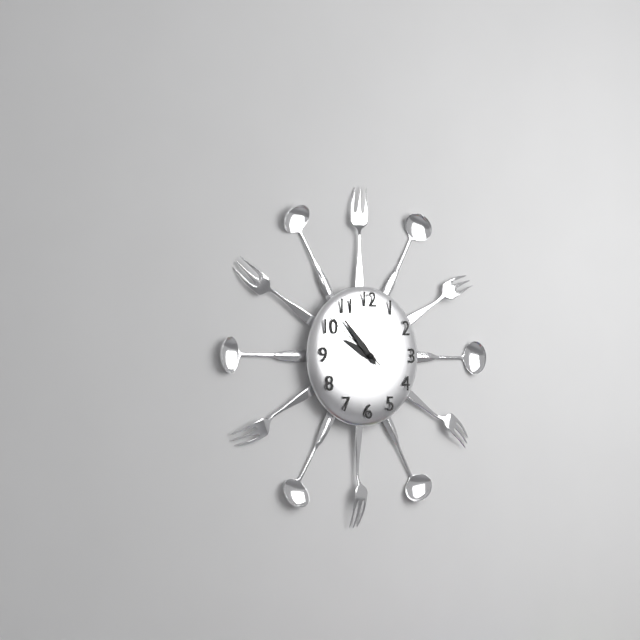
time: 9:53:51
